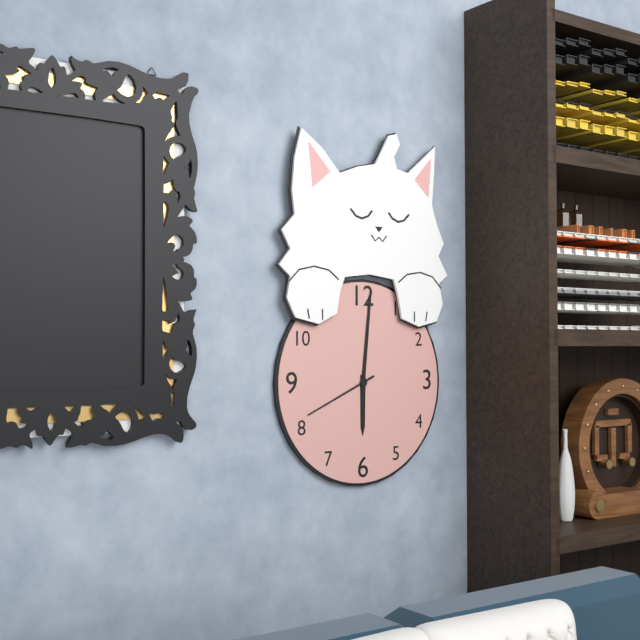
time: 6:01:41
